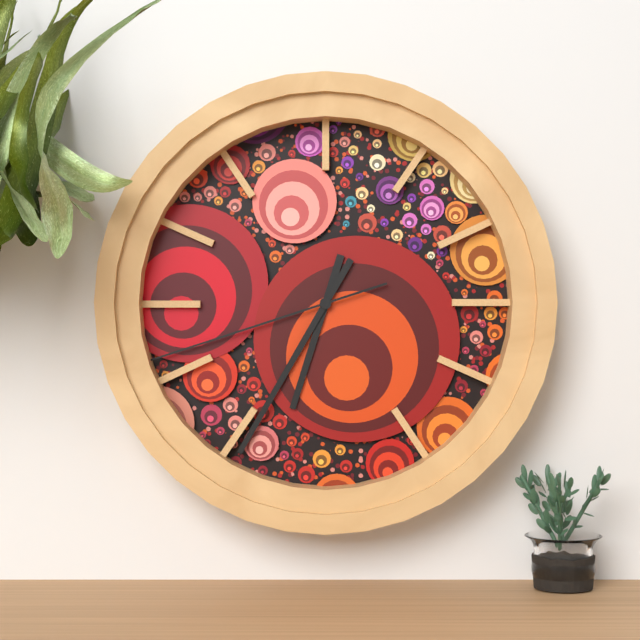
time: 6:35:42
